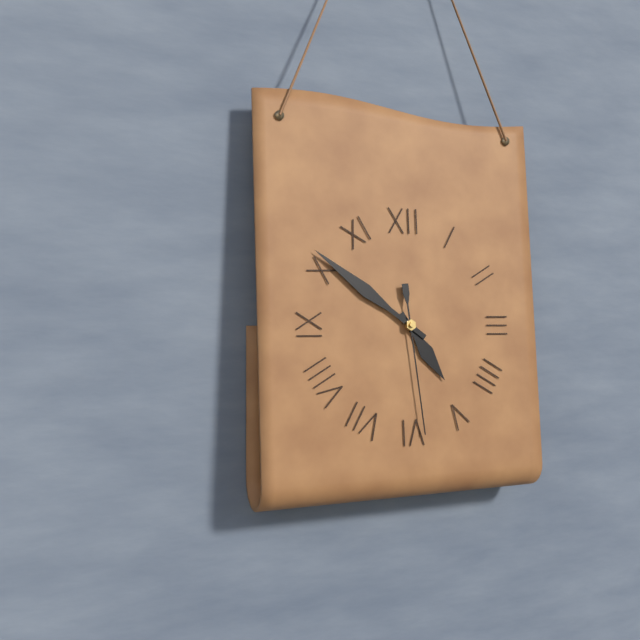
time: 4:51:29
